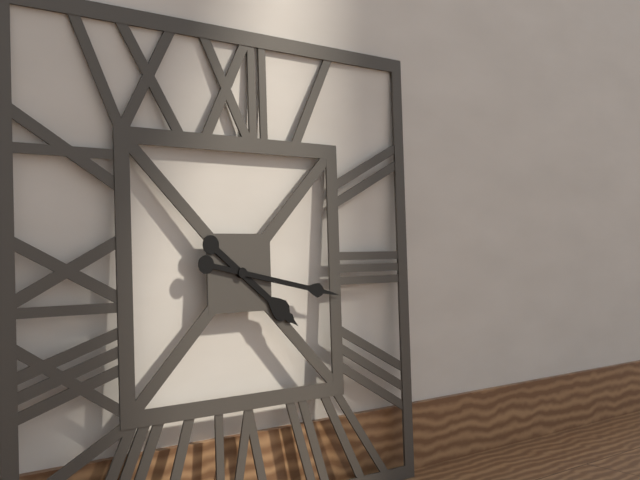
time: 4:17
